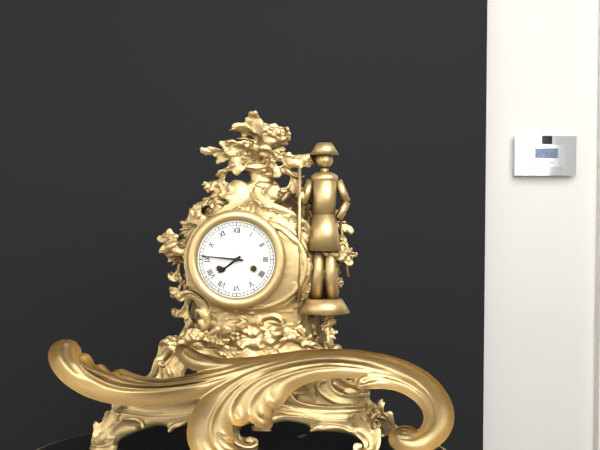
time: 7:46
